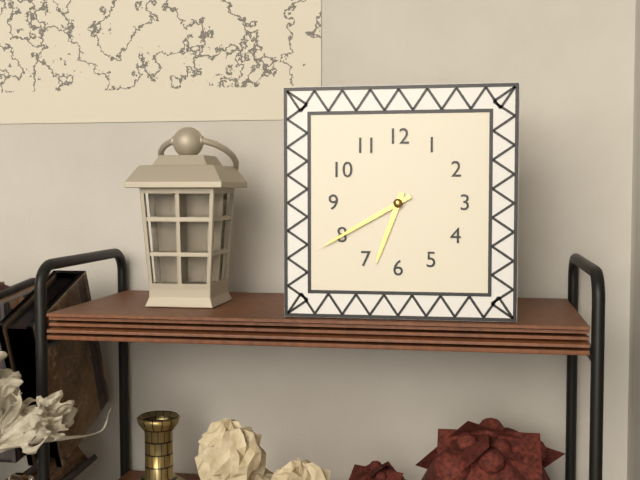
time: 6:40
